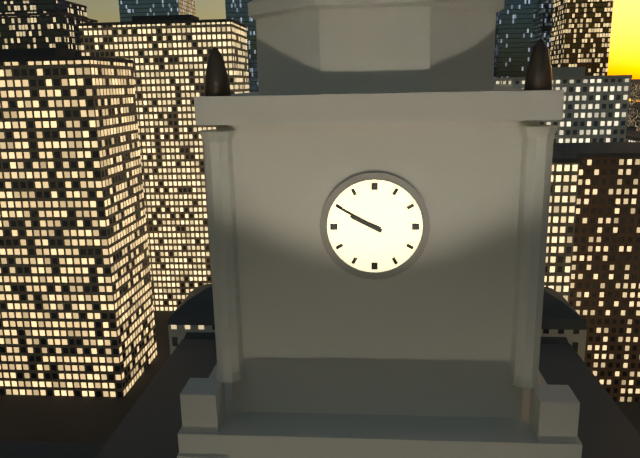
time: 9:50
